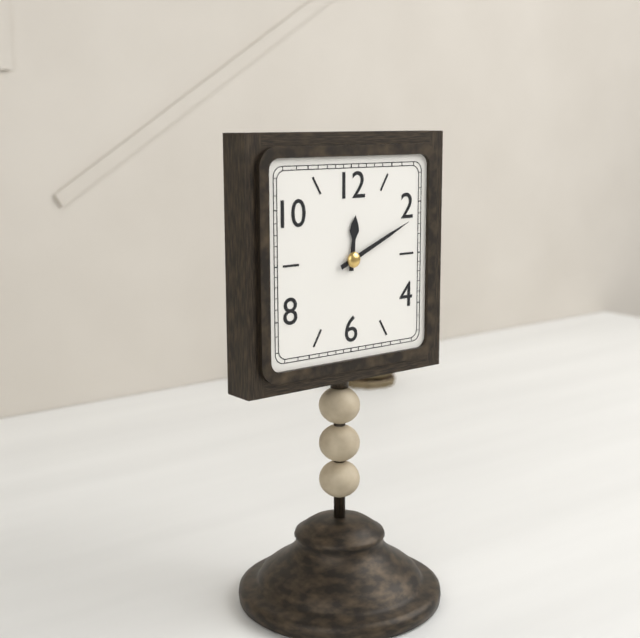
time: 12:11
